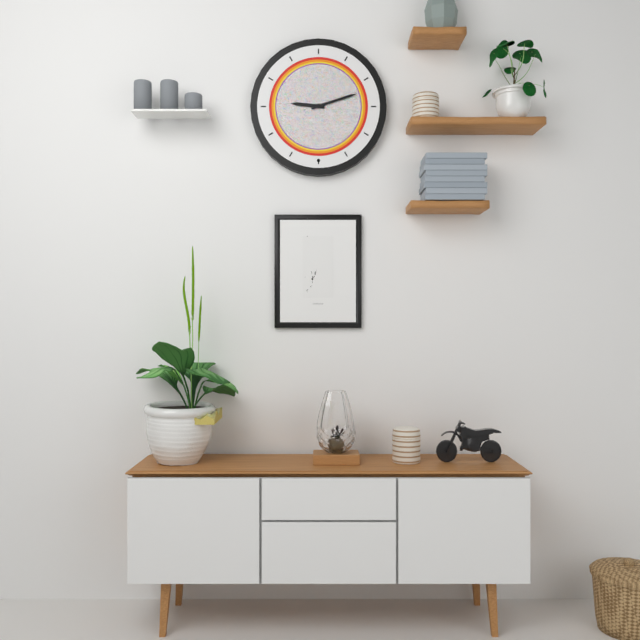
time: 9:12
